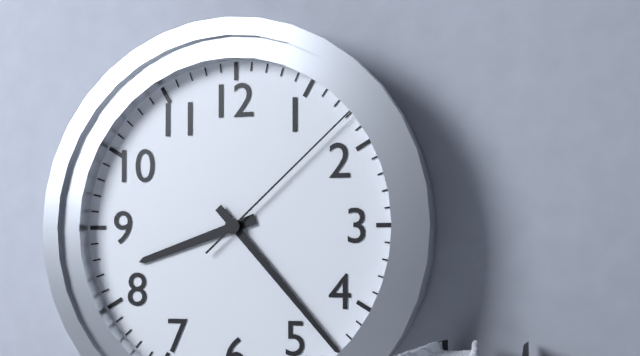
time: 8:23:08
